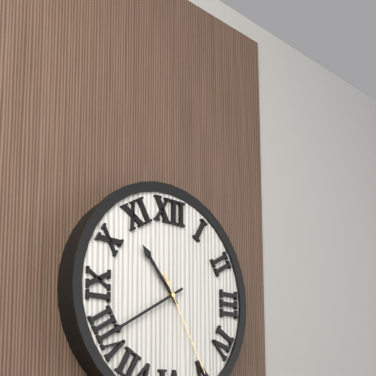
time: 10:40:25
